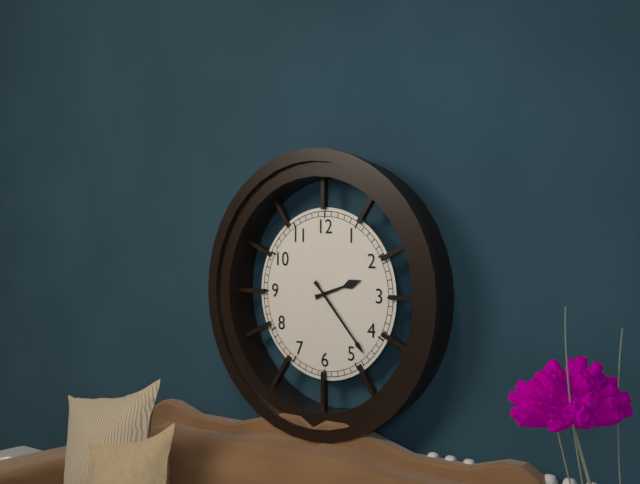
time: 2:23
